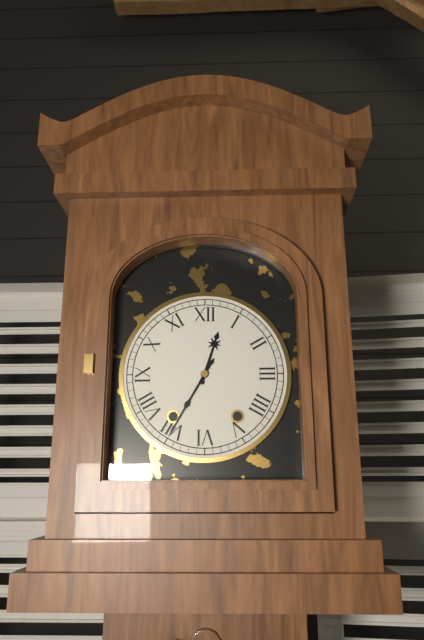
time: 12:35
